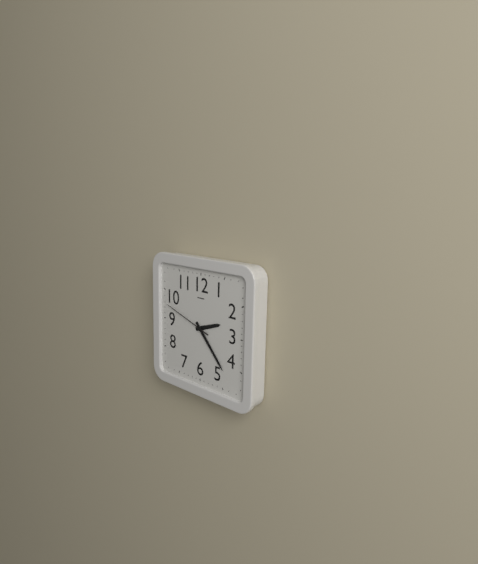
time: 2:23:48
